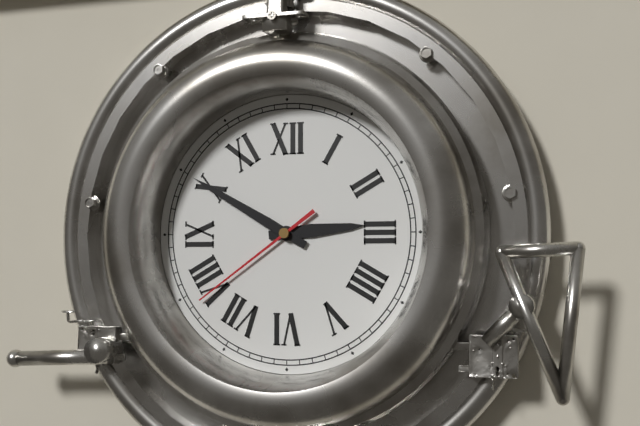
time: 2:50:39
